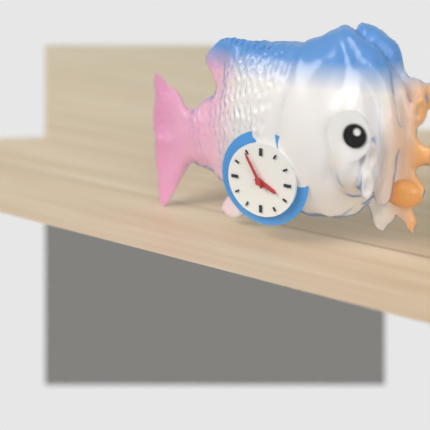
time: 3:55
